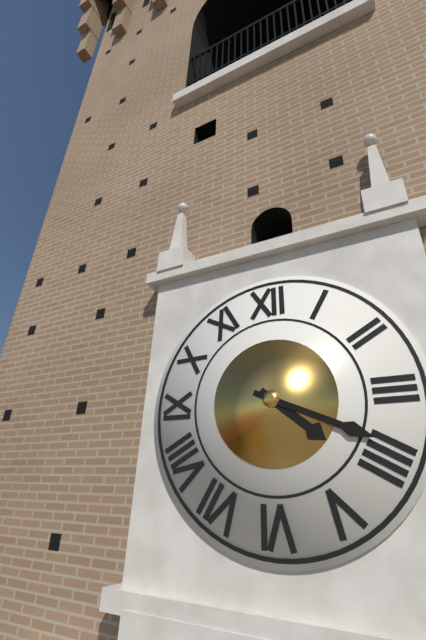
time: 4:19
